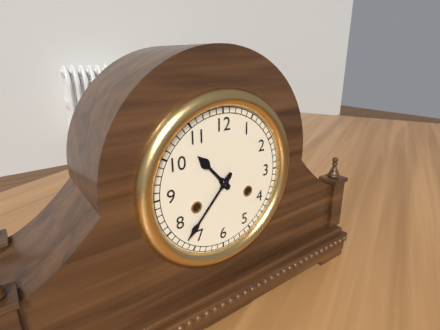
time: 10:37
